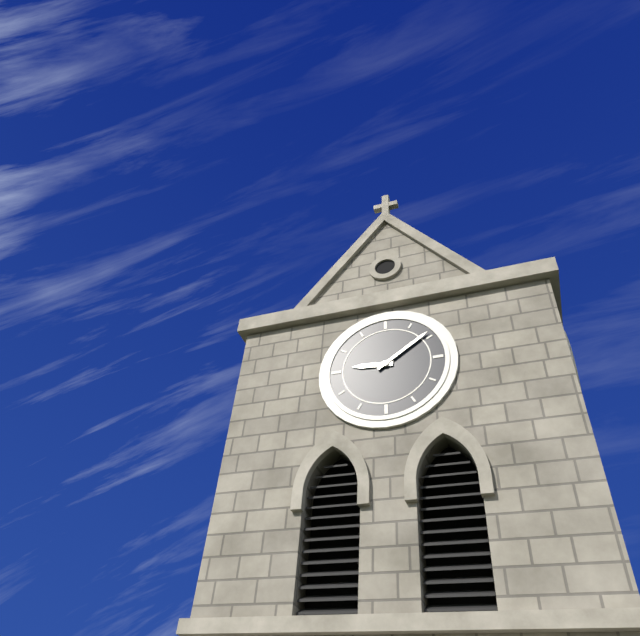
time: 9:09
